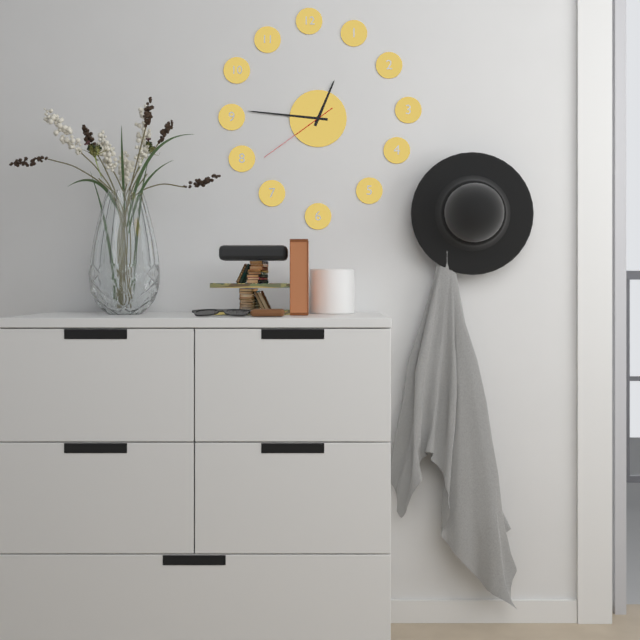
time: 12:46:39
